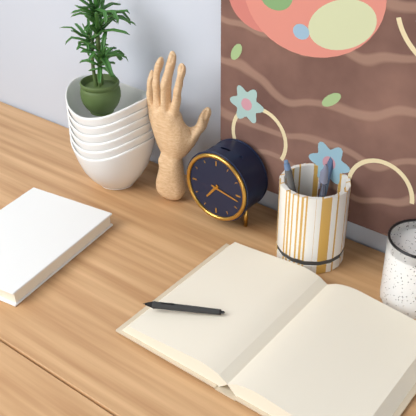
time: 7:17
